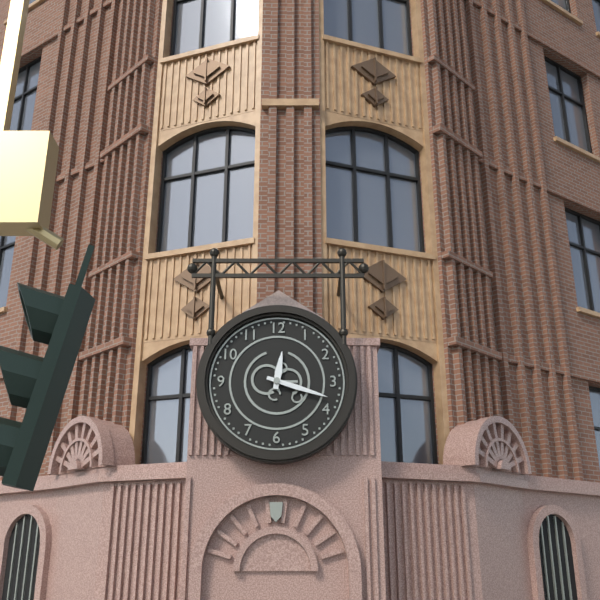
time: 12:18
